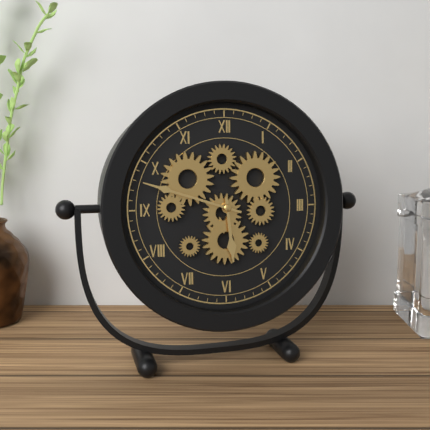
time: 5:48
